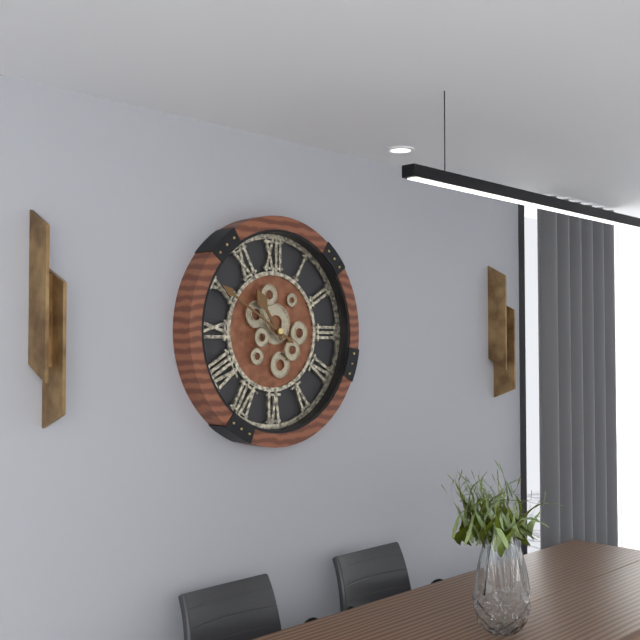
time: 10:50
